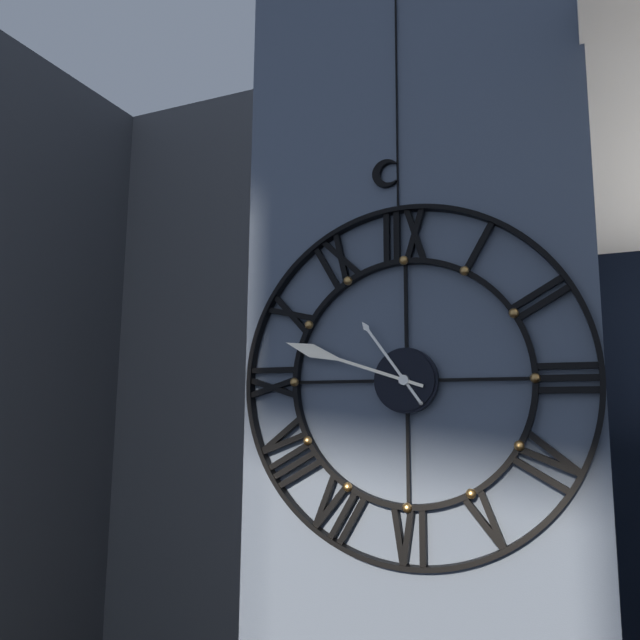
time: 10:48
